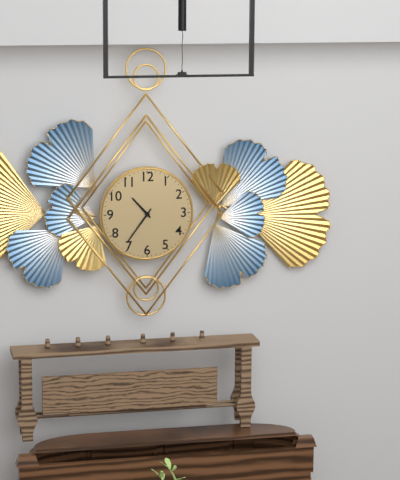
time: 10:36
